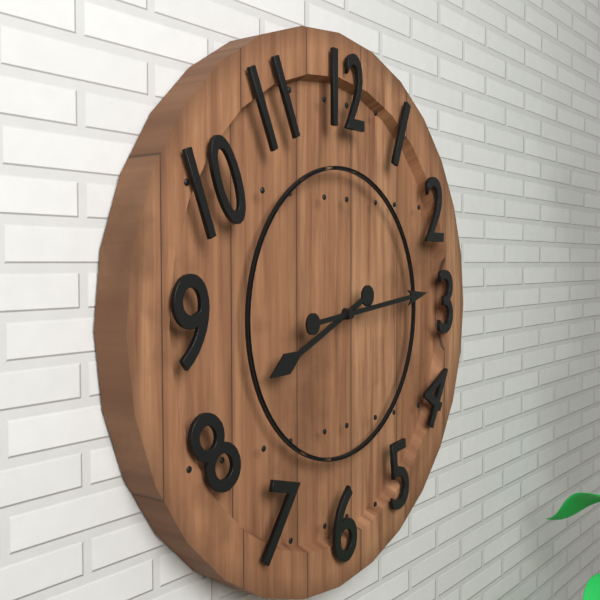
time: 8:14
